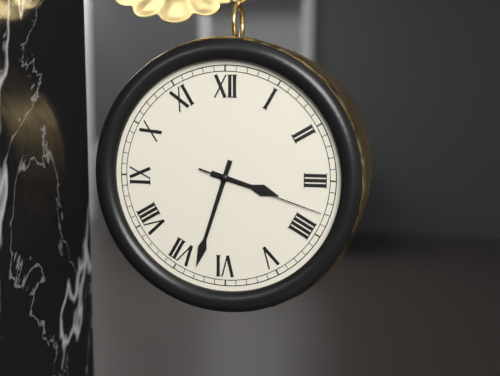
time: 3:33:18
